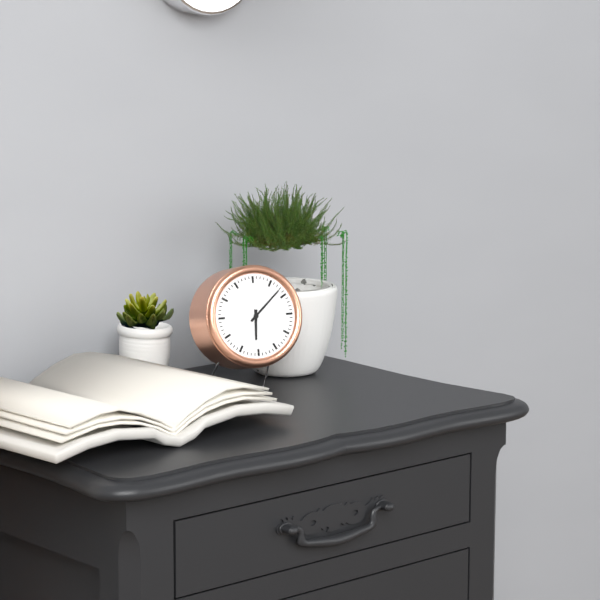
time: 6:08
